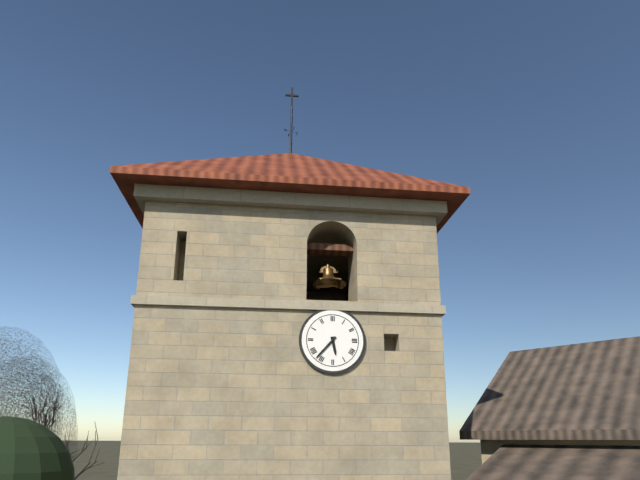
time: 5:37
